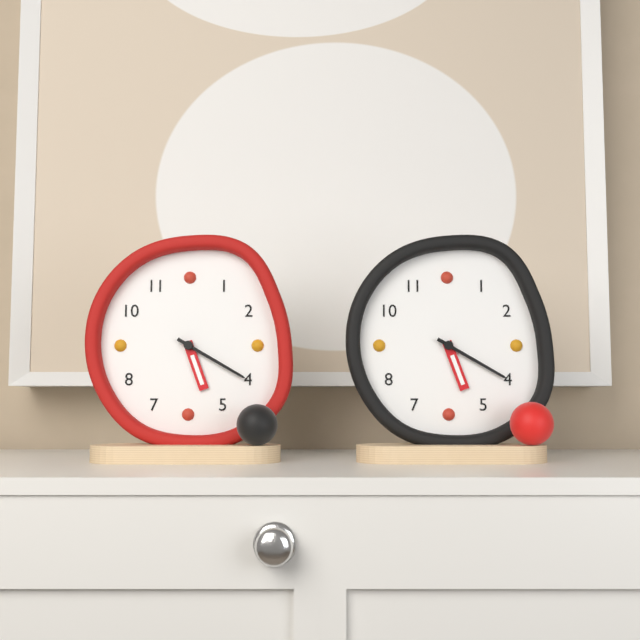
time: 5:20
